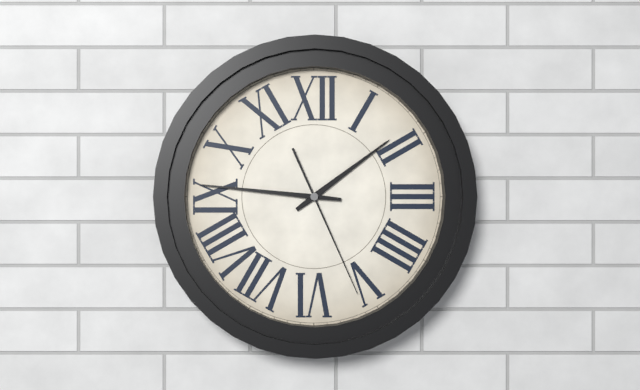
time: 1:46:26
